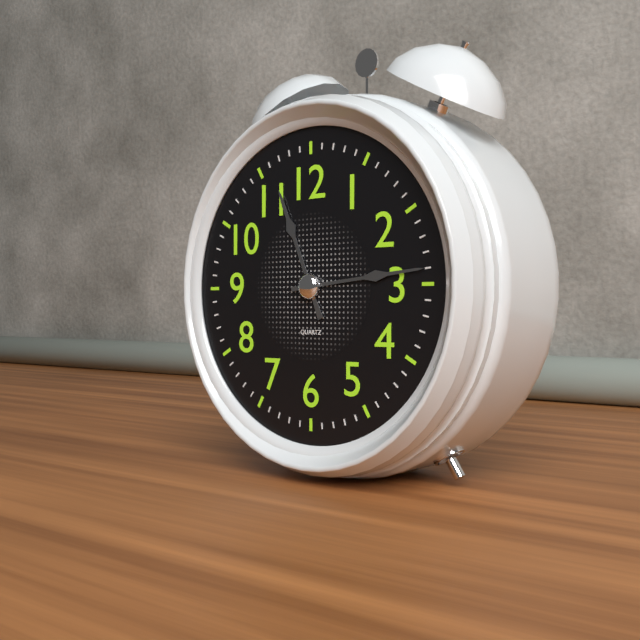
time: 11:14
